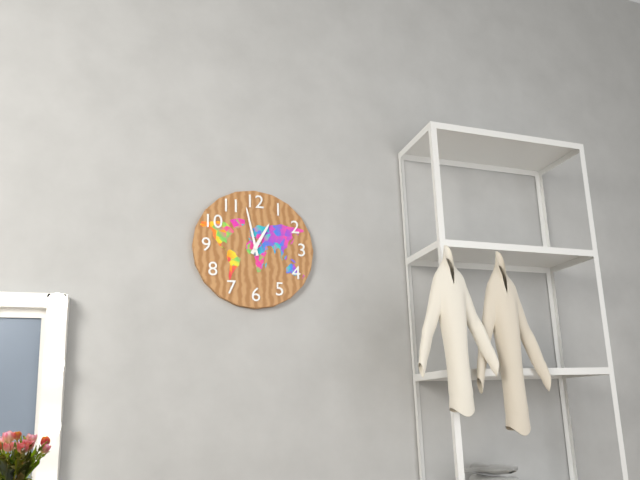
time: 12:58
